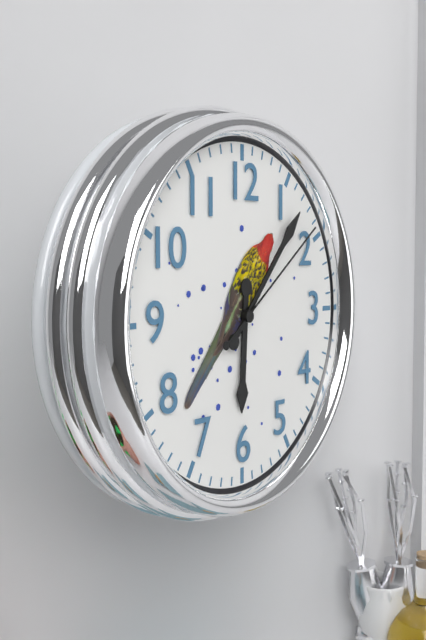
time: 6:07:09
